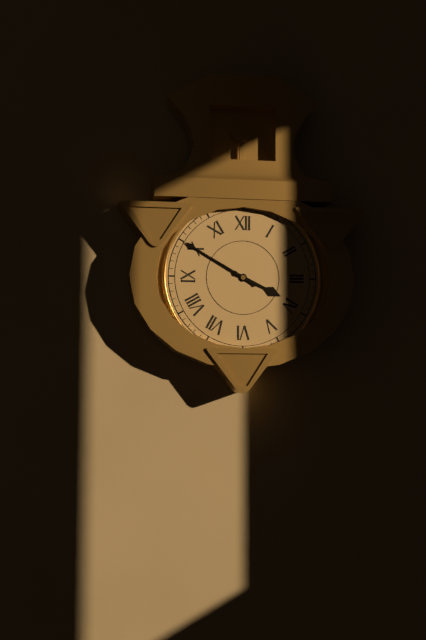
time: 3:50
